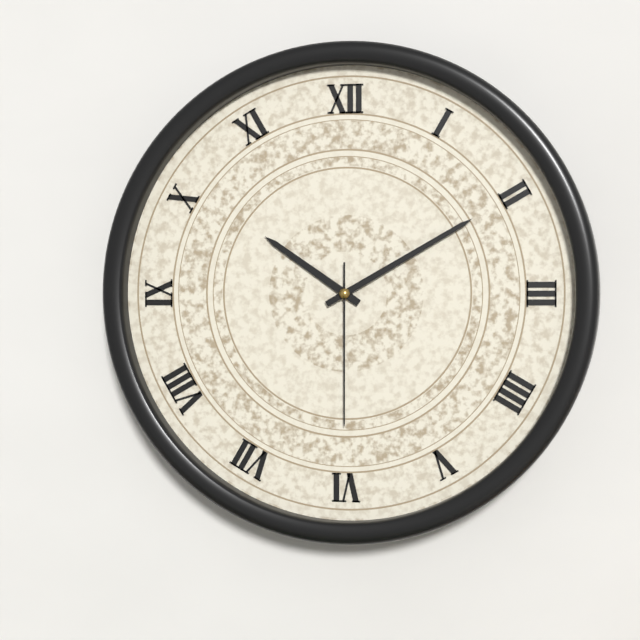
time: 10:10:30
